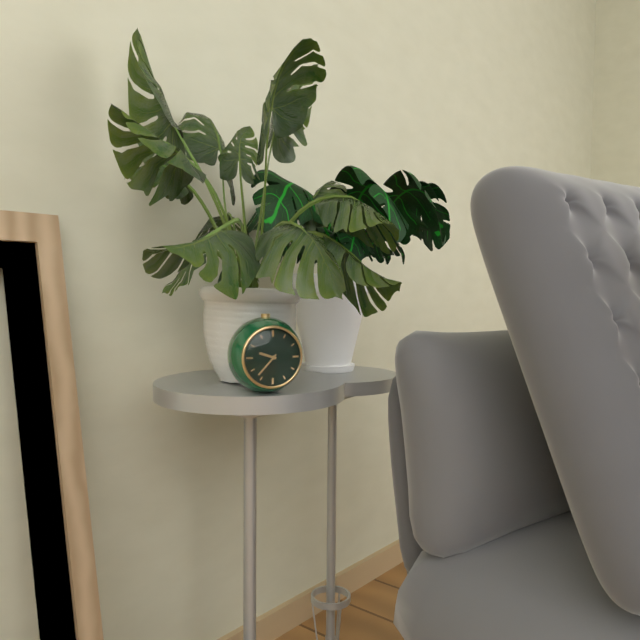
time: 9:37
